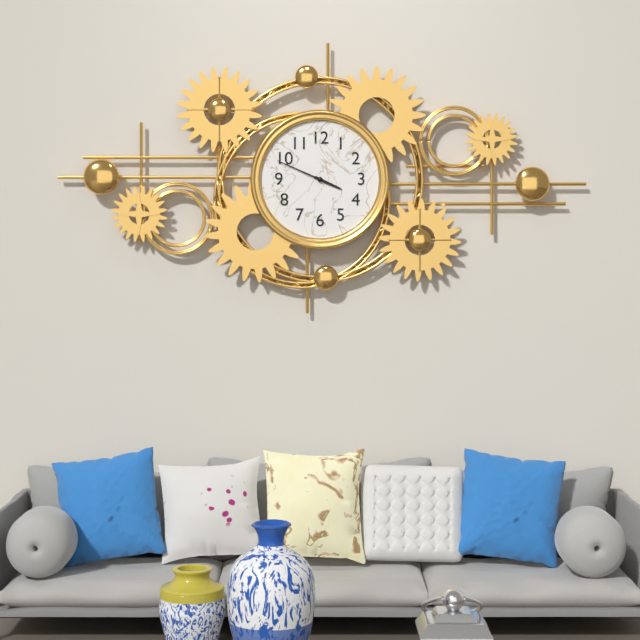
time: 3:49
